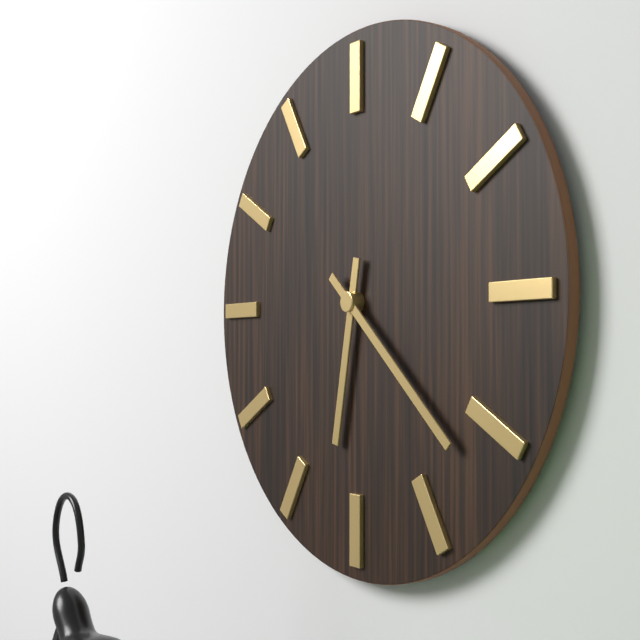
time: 6:22
